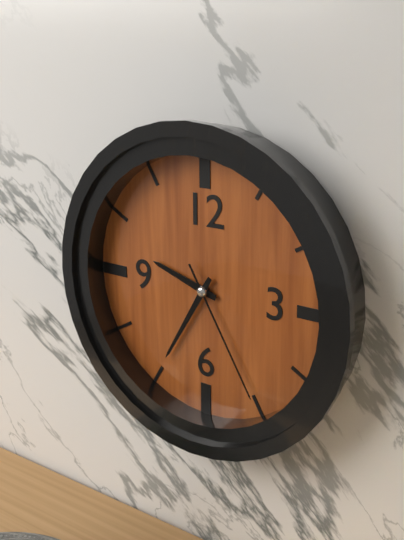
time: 9:35:25
